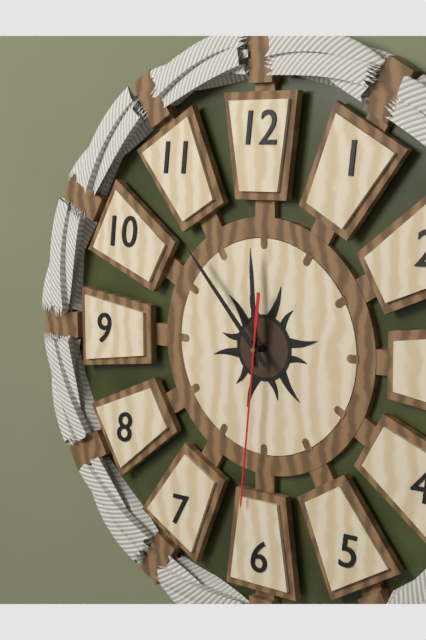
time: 11:53:31
